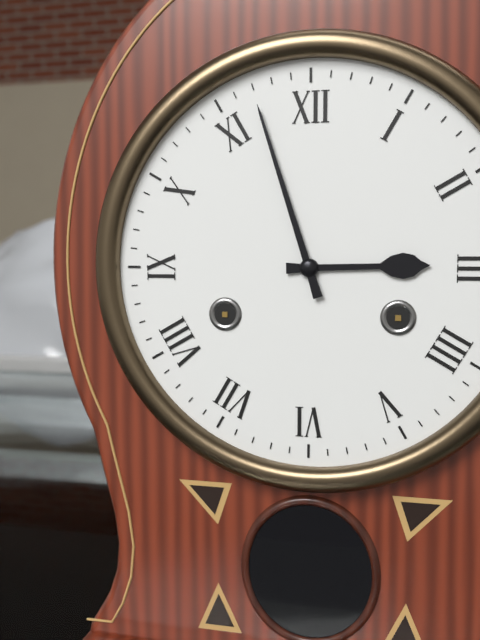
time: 2:57
